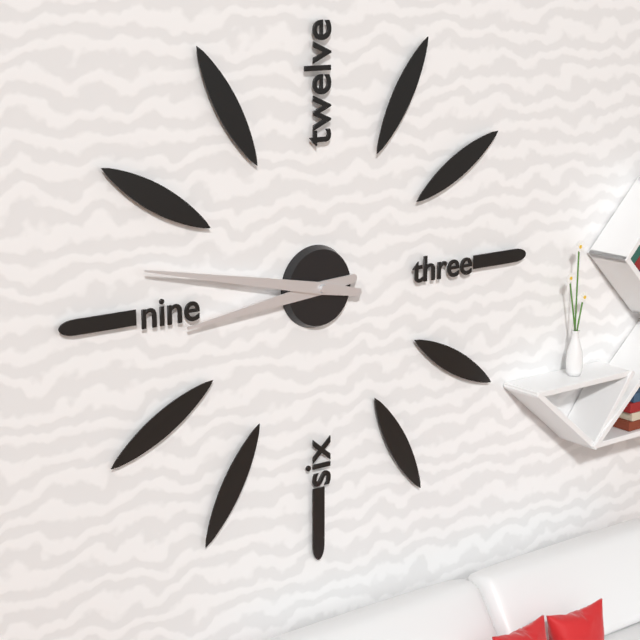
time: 8:47
